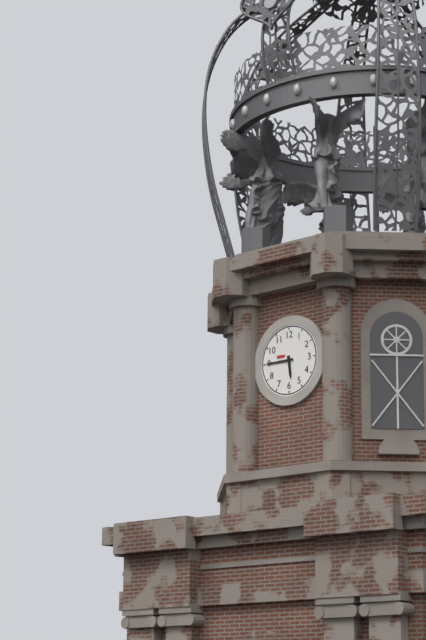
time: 5:45
